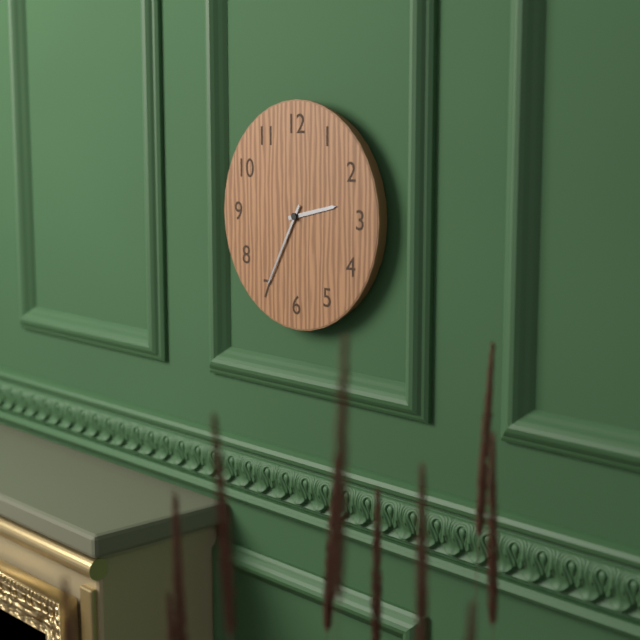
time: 2:35
